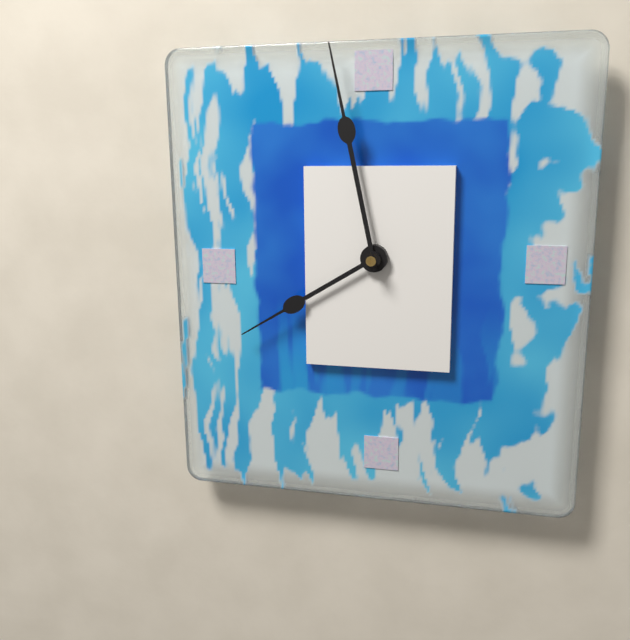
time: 7:58
